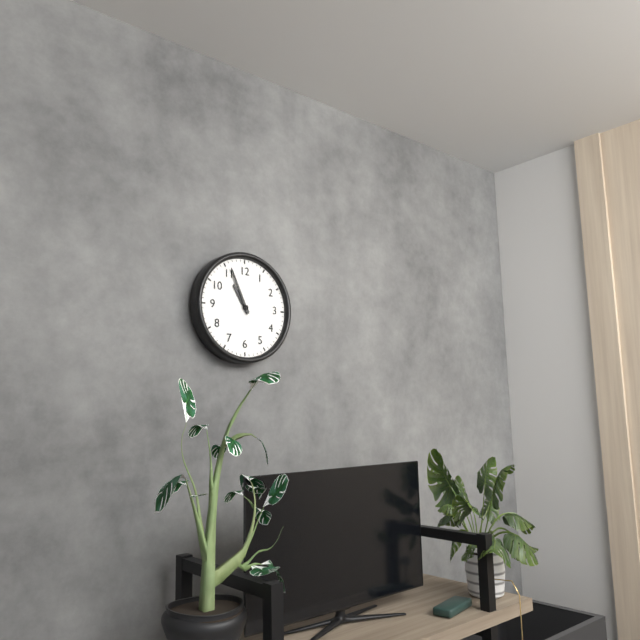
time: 10:56
